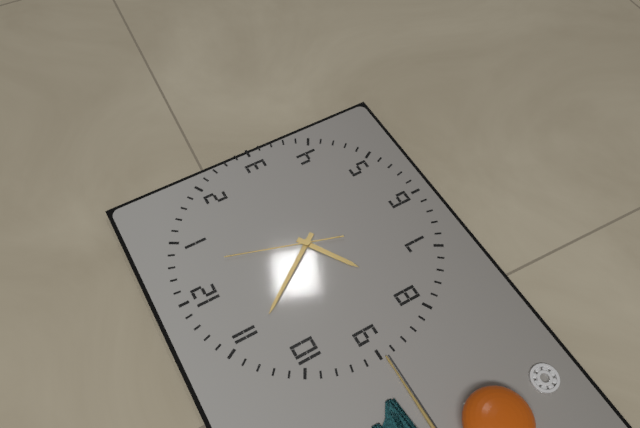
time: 7:54:03
